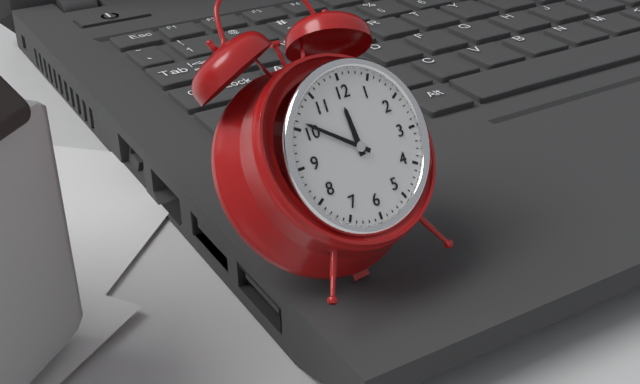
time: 11:51
